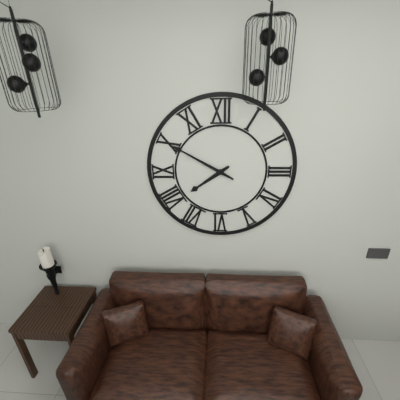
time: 7:50
